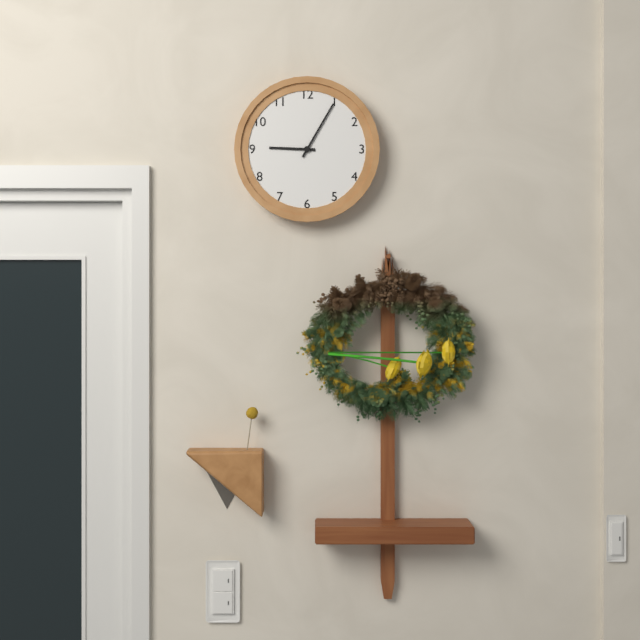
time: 9:05
